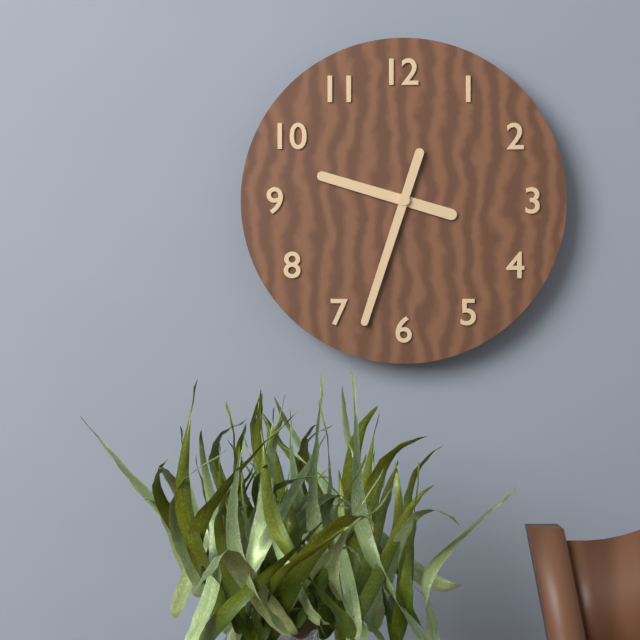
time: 9:33
